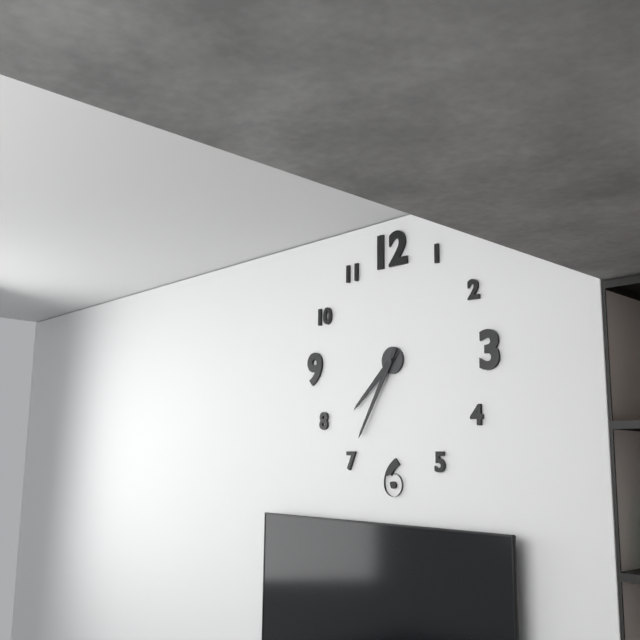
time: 7:35
